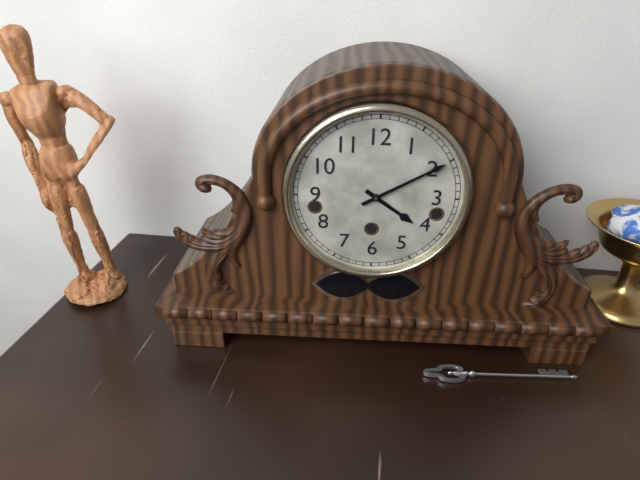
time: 4:10
